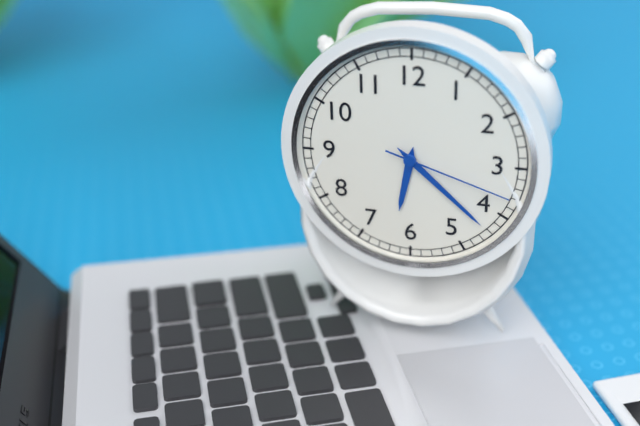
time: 6:22:18
